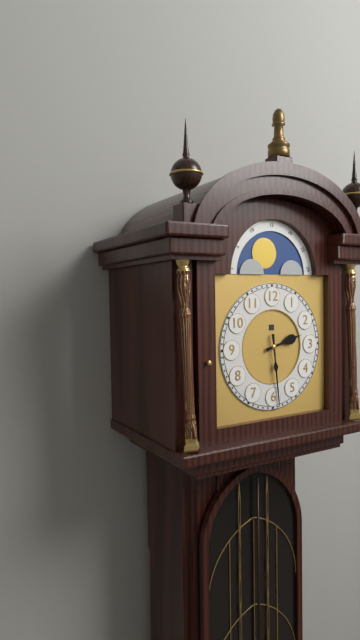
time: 2:29
